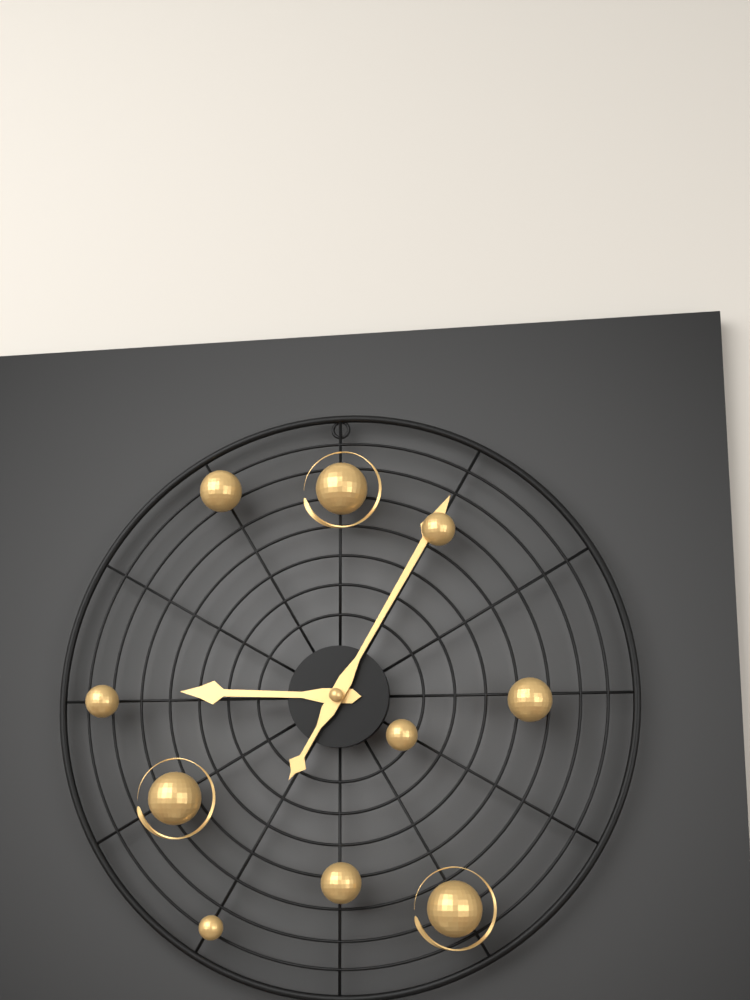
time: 9:05
